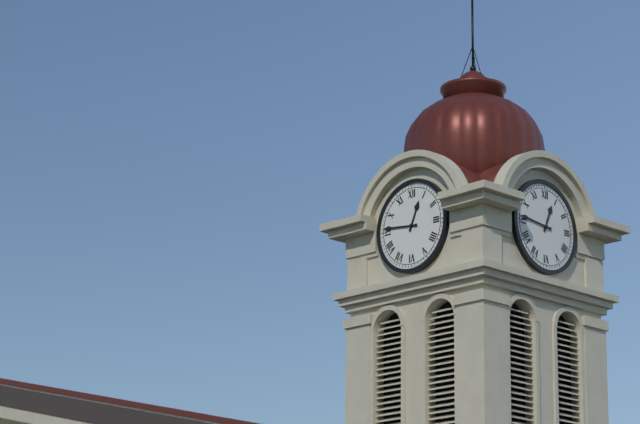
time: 12:46
